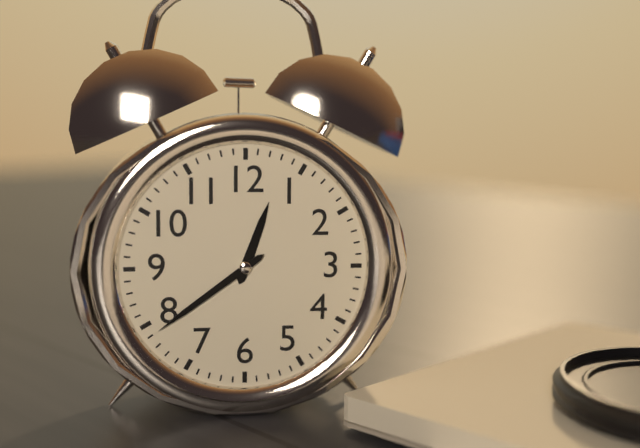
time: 12:39
